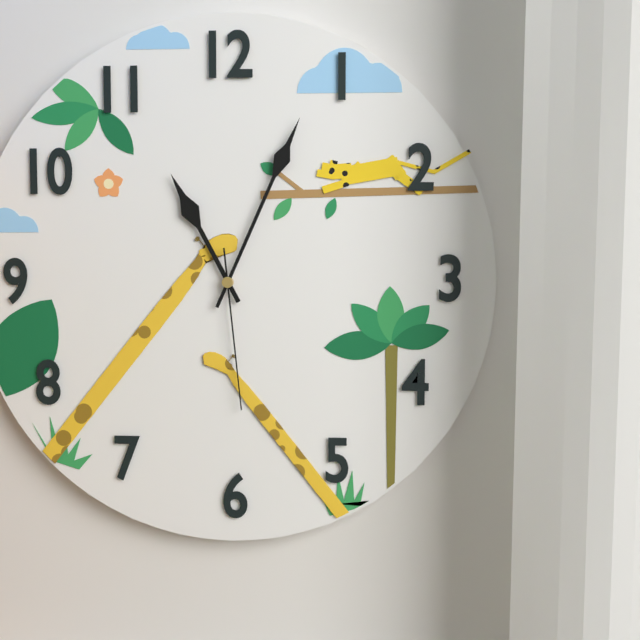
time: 11:04:29
